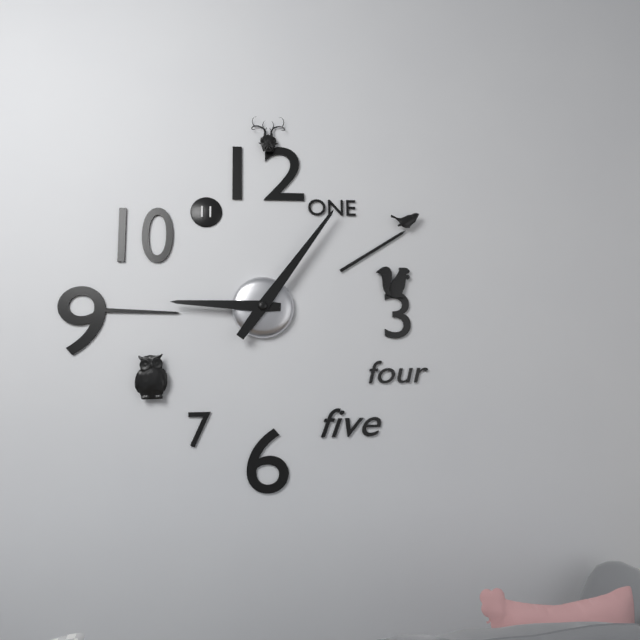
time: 9:06
